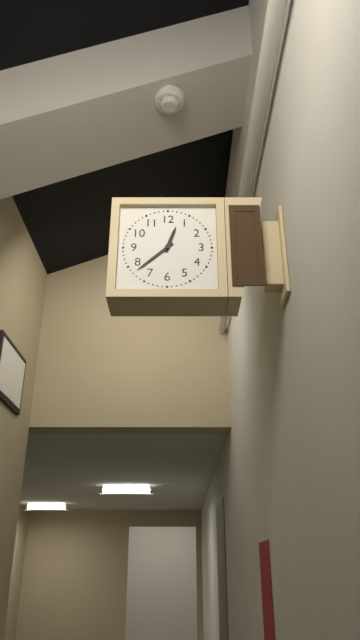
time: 12:38
